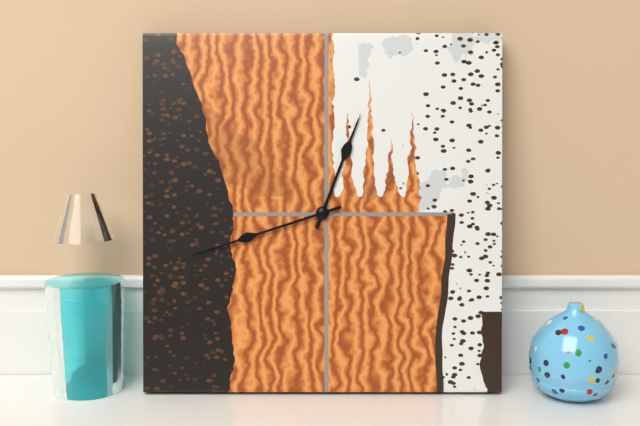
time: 12:42
